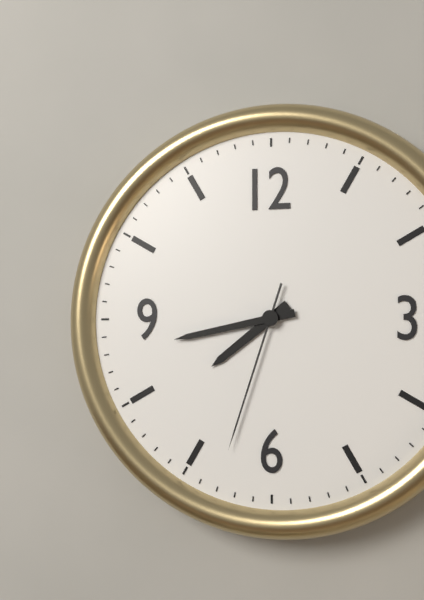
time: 7:43:33
